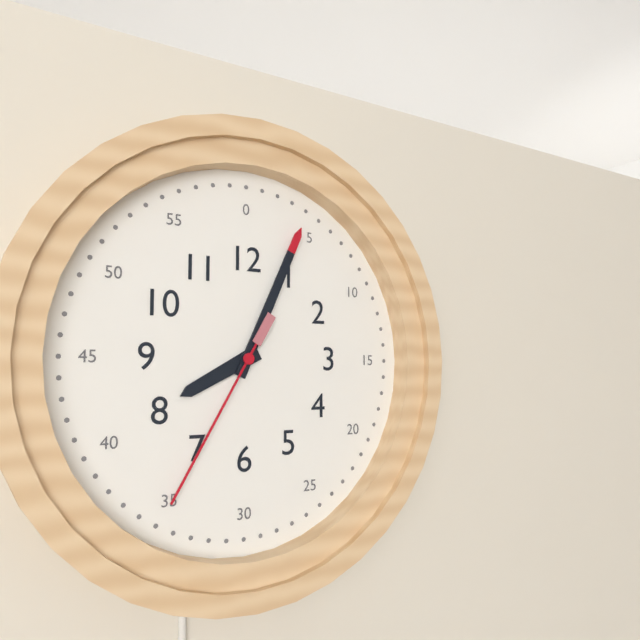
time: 8:04:35
